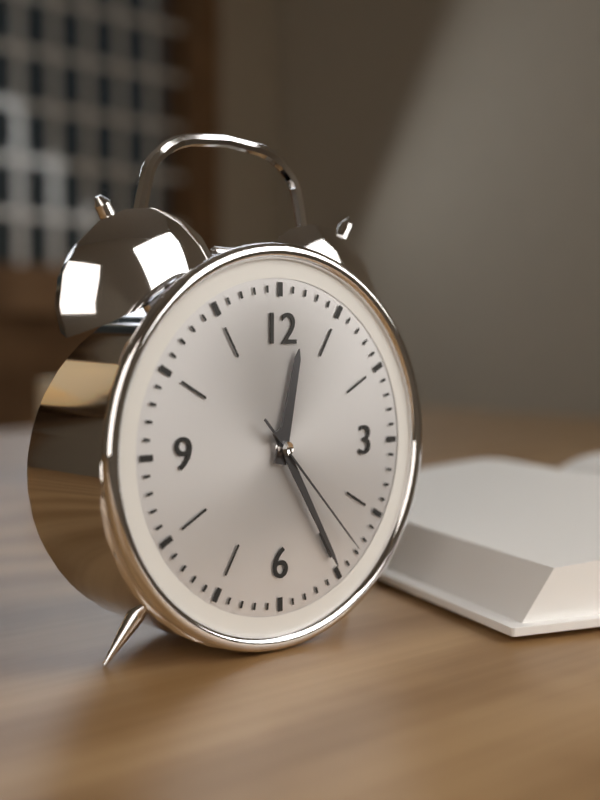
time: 12:25:23
